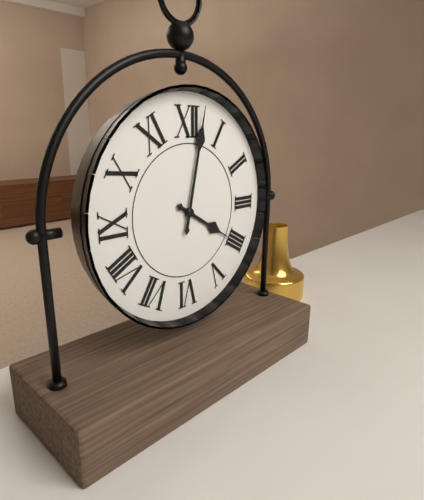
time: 4:02
